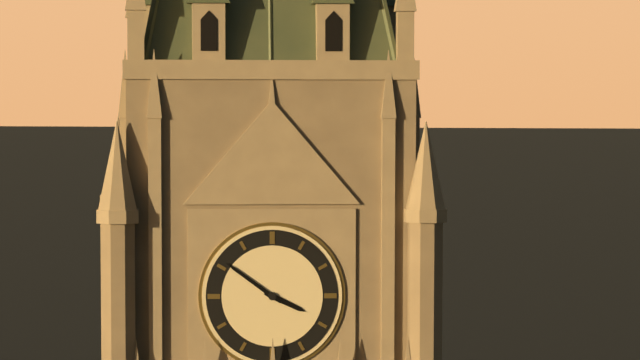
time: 3:51
